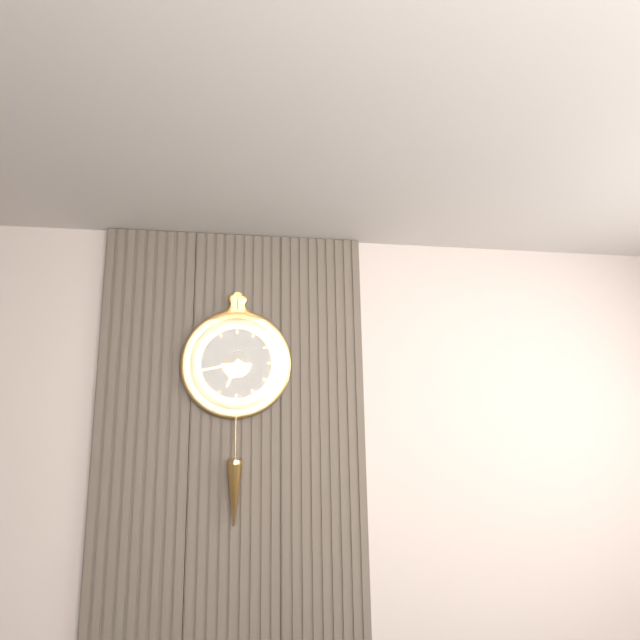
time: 6:43
